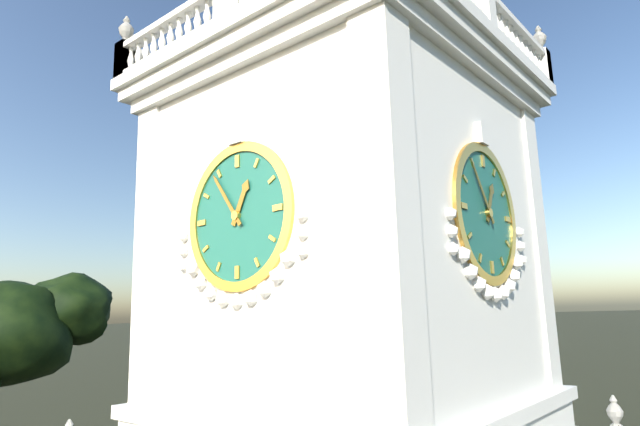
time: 12:54
